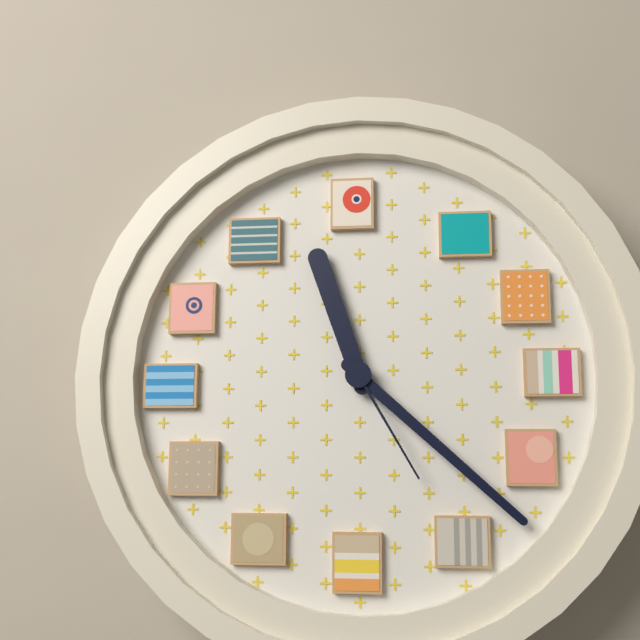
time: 11:22:25
